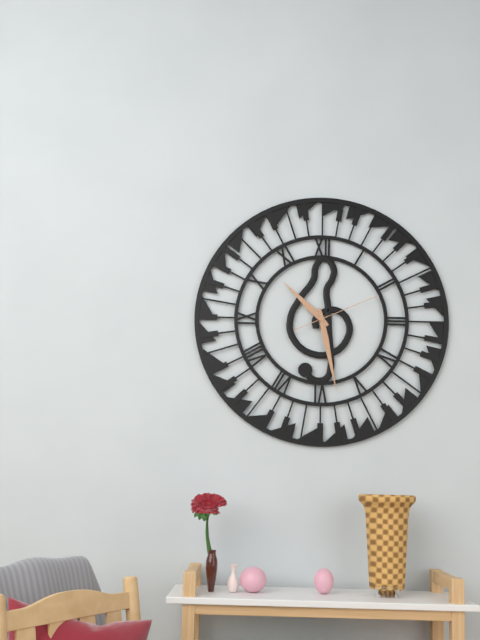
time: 10:28:11
